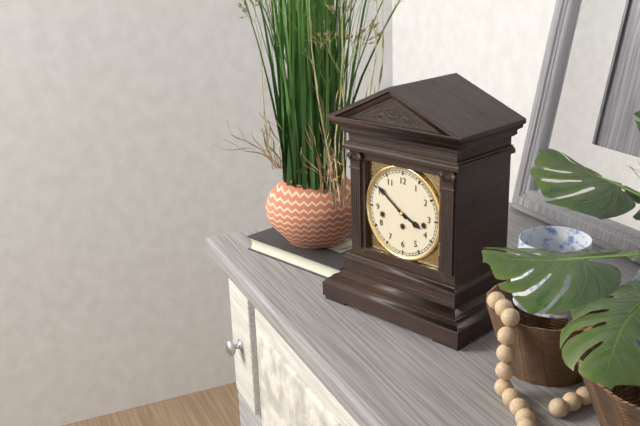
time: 3:51
